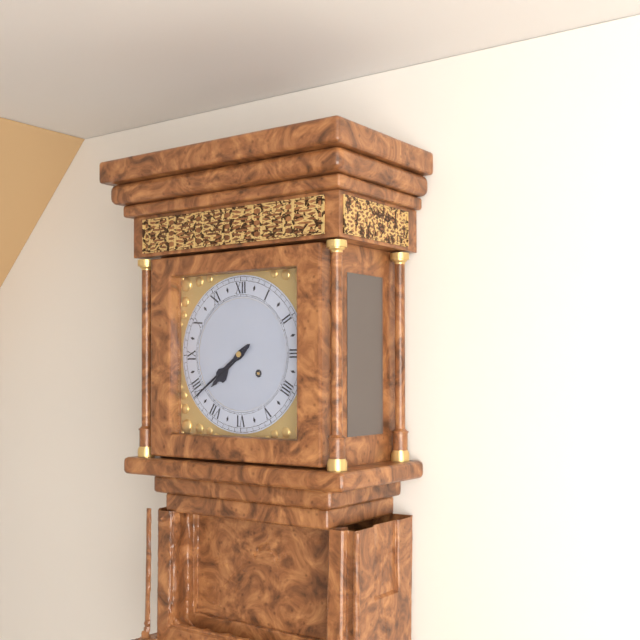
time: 7:39
